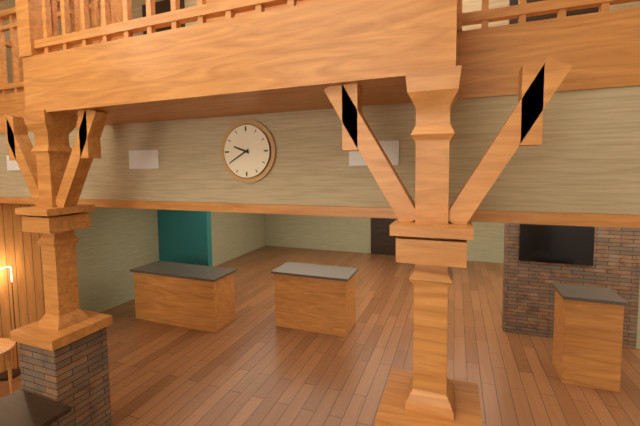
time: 9:40
